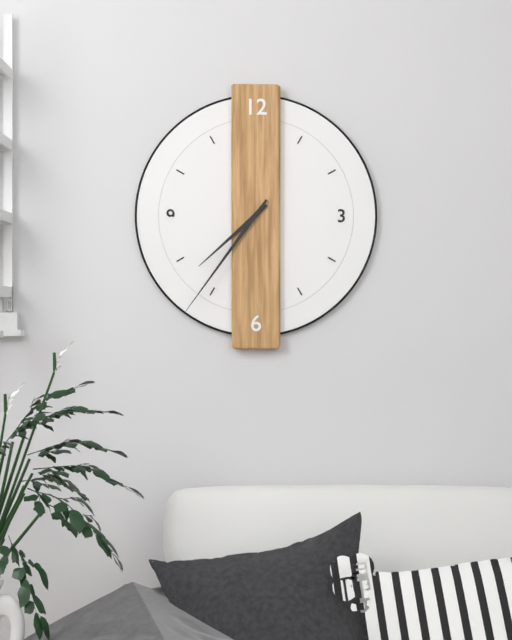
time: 7:36
